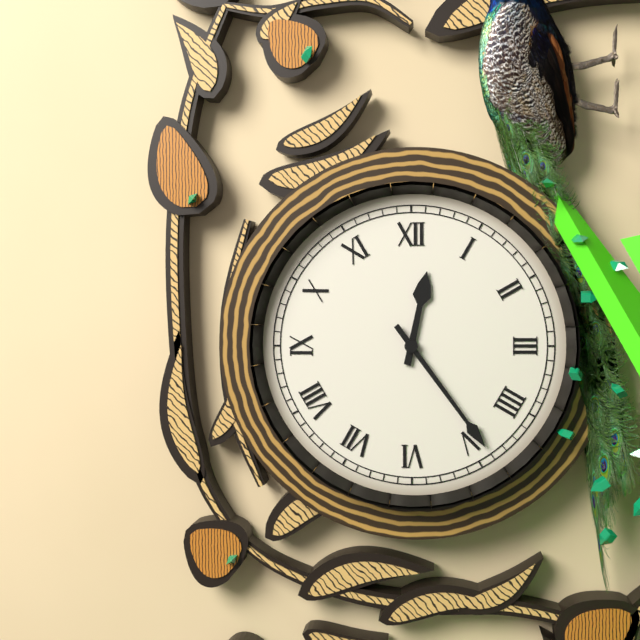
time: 12:24
